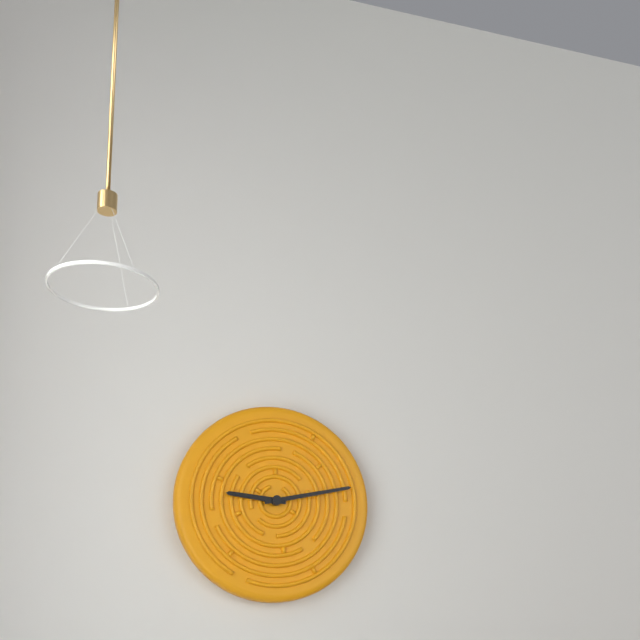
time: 9:13
